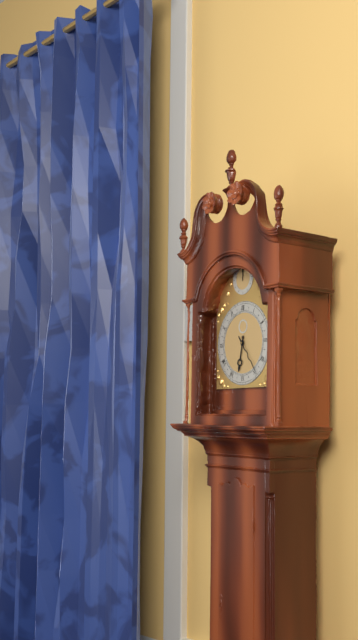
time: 6:24
